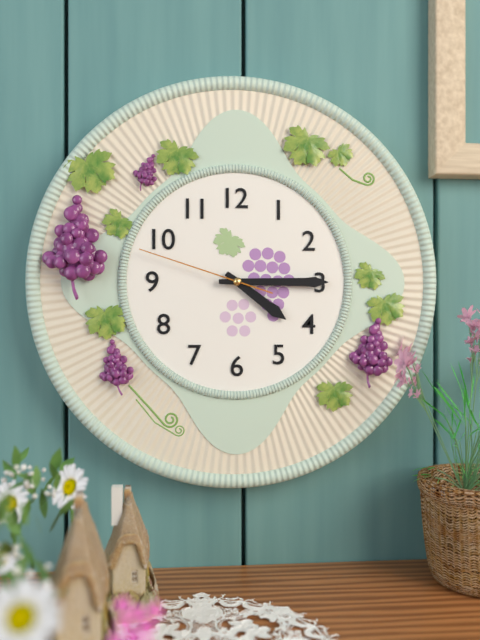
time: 4:15:48
